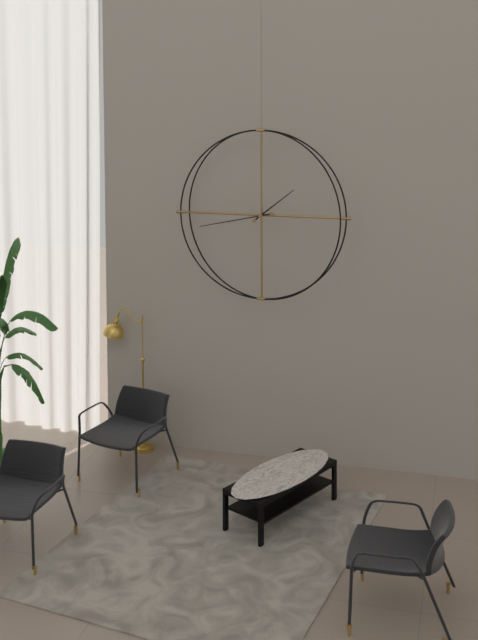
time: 1:43
